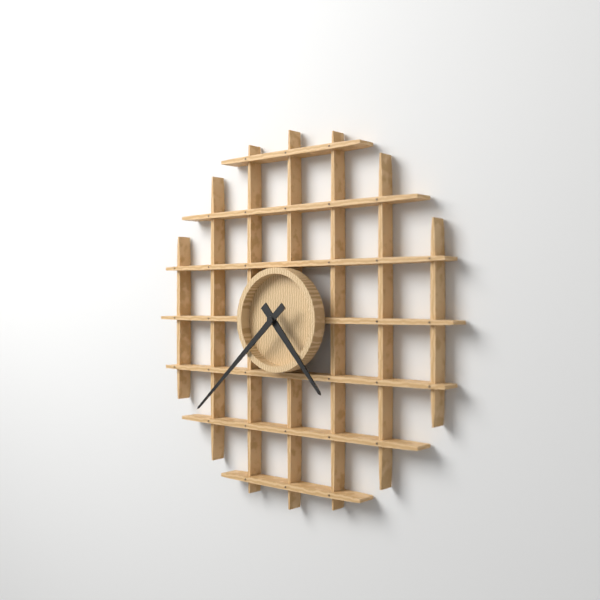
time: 4:38
